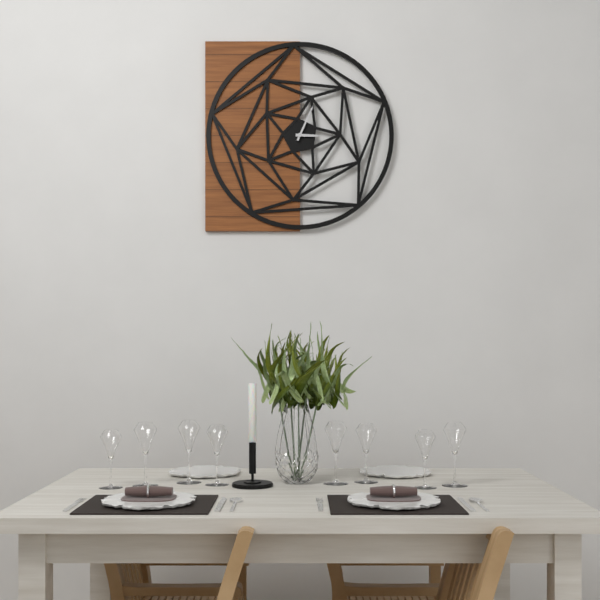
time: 3:04
